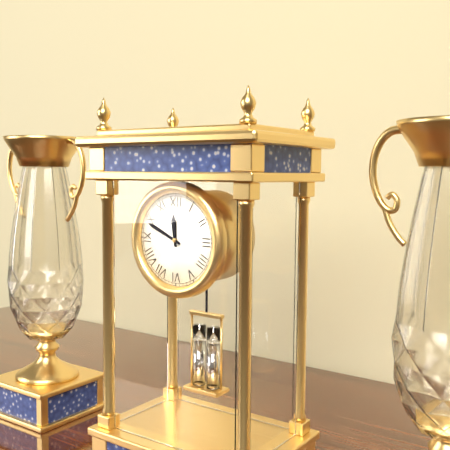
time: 11:49
